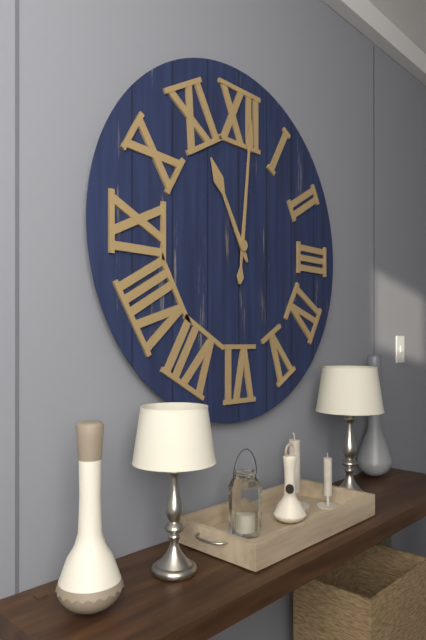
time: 11:01
